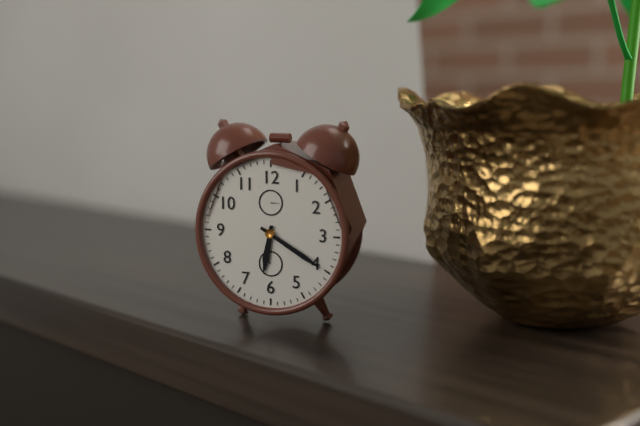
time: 6:20
